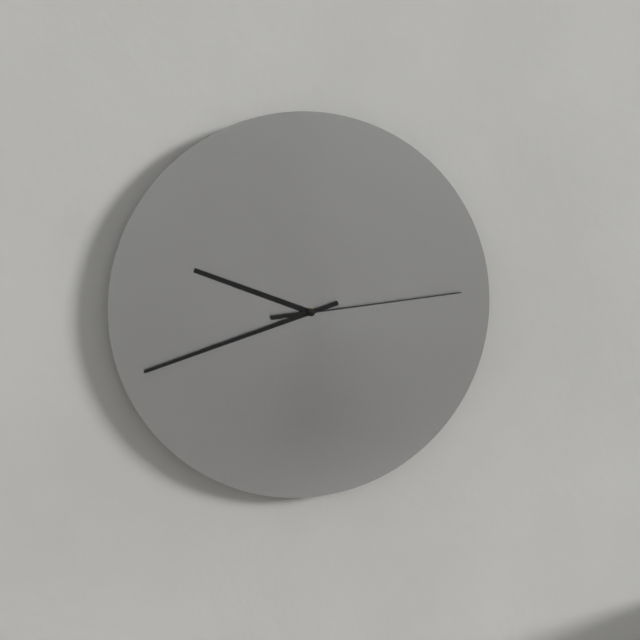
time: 9:42:14
